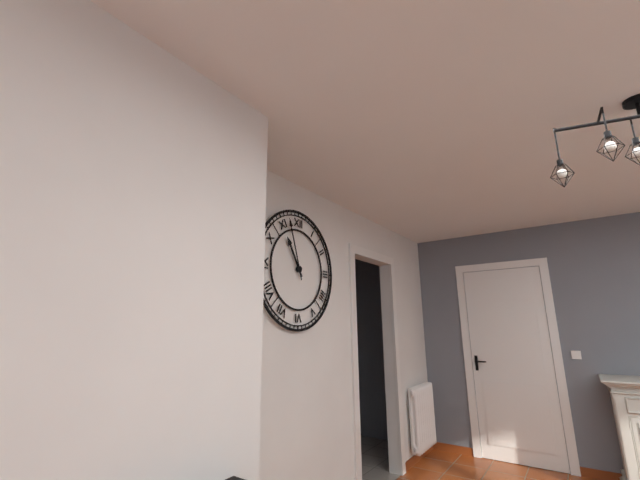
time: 10:57
